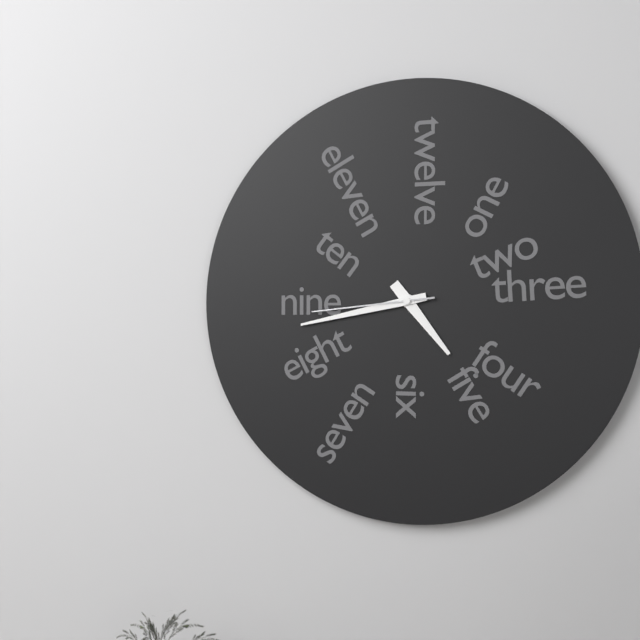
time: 4:43:44
